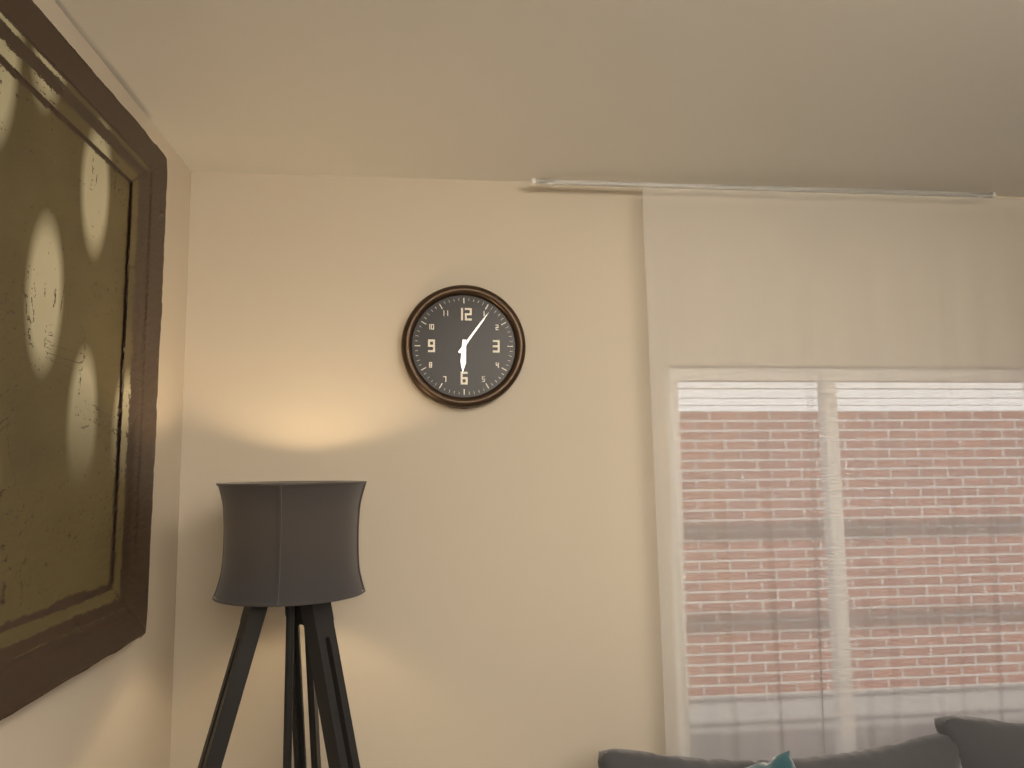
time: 6:06
